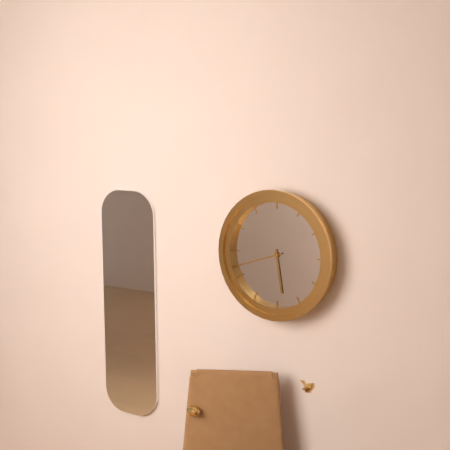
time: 5:42
